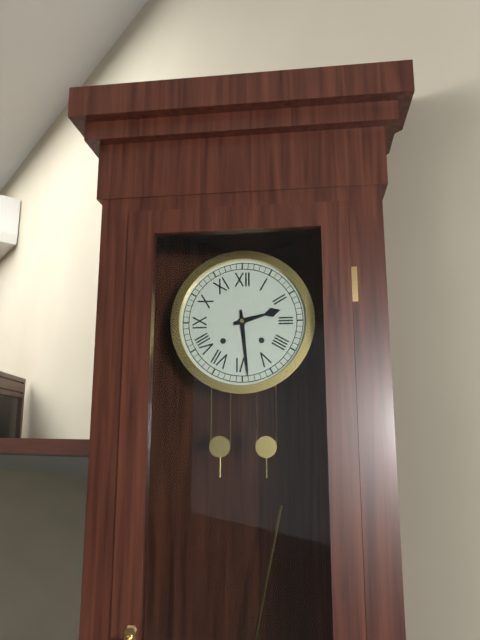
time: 2:29
